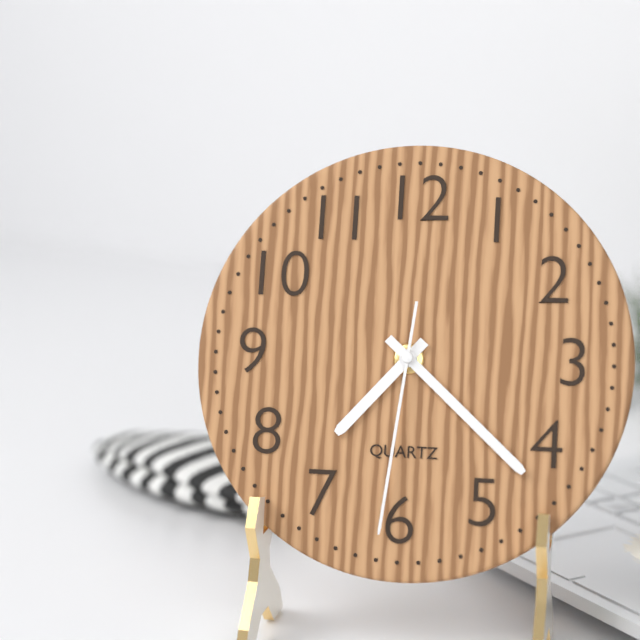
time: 7:22:31
